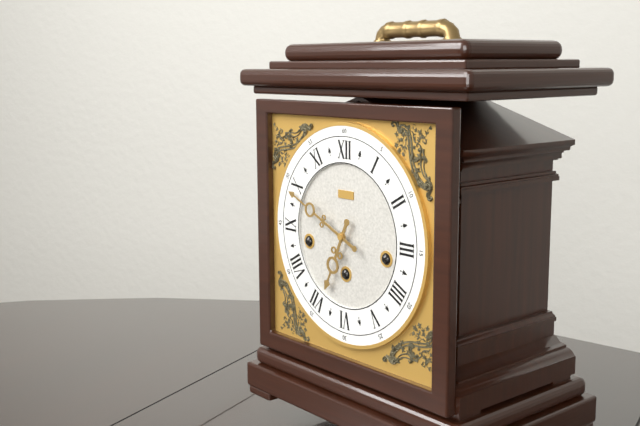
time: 6:49
